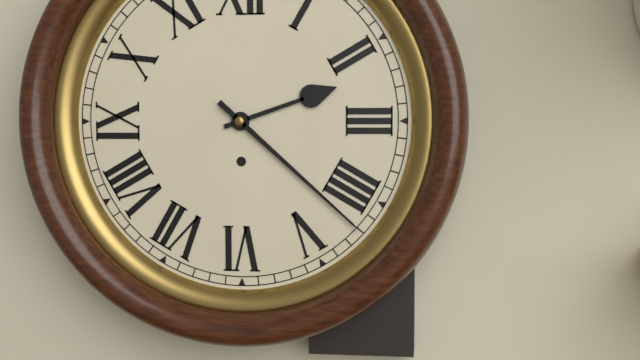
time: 2:22
